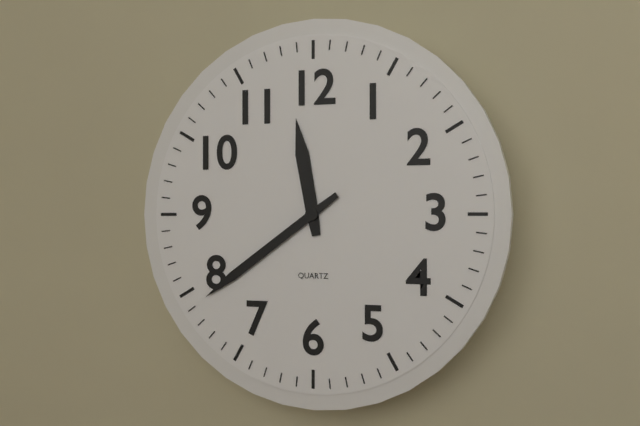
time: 11:39
